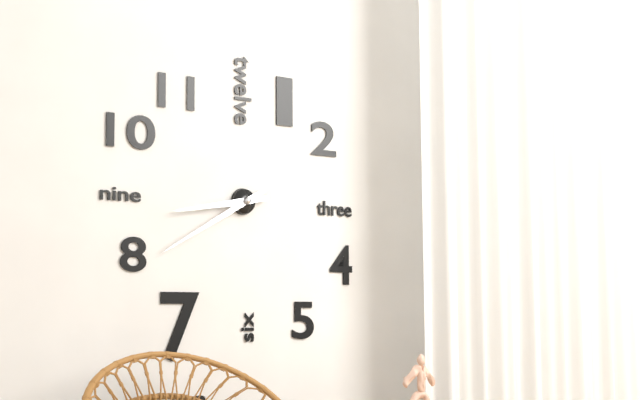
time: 8:40
